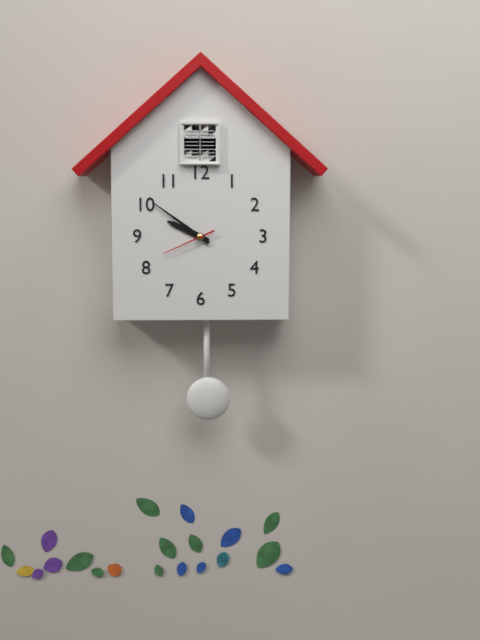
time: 9:51:41
